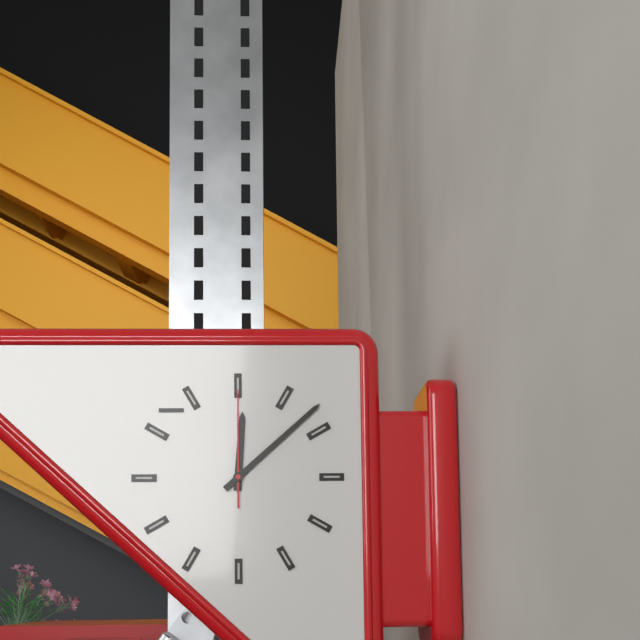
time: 12:08:00
